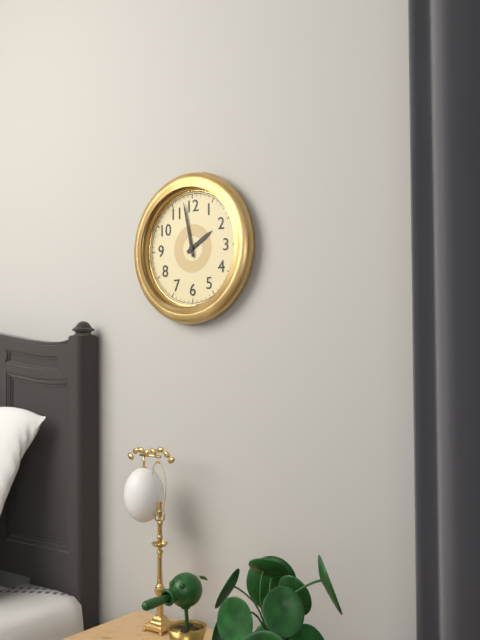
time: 1:58
